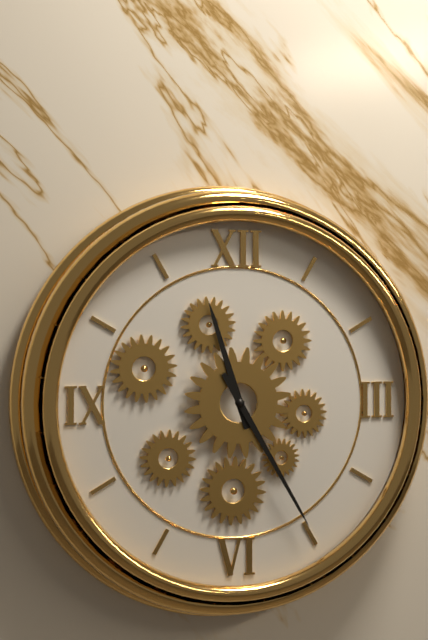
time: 11:25
